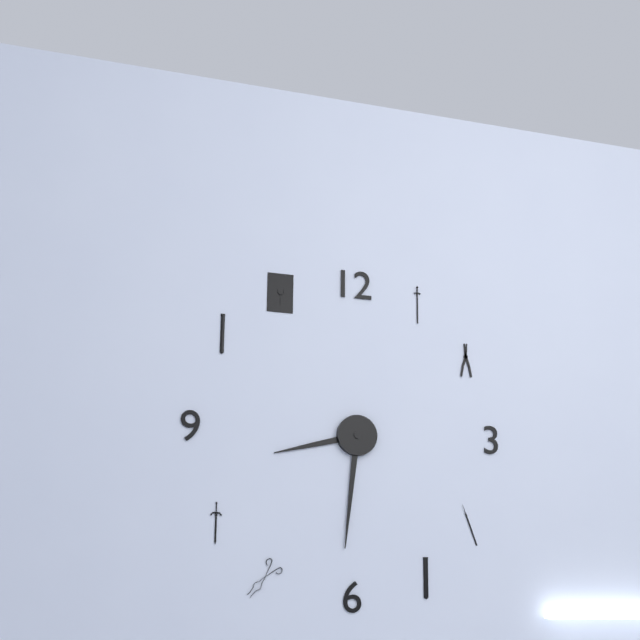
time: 8:31
